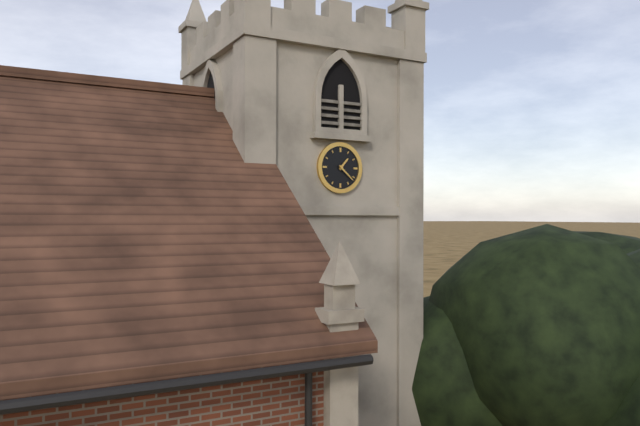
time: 1:22
